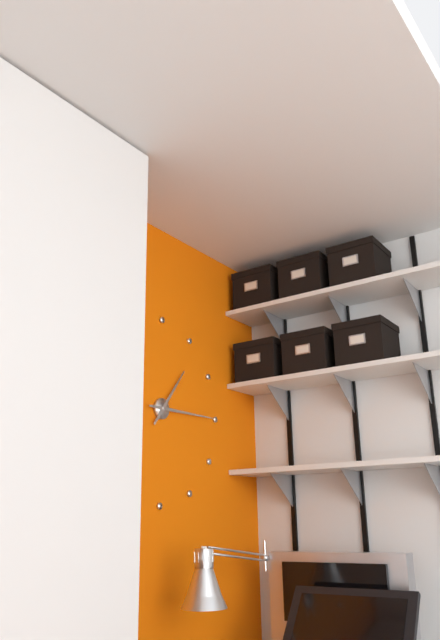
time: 1:15
